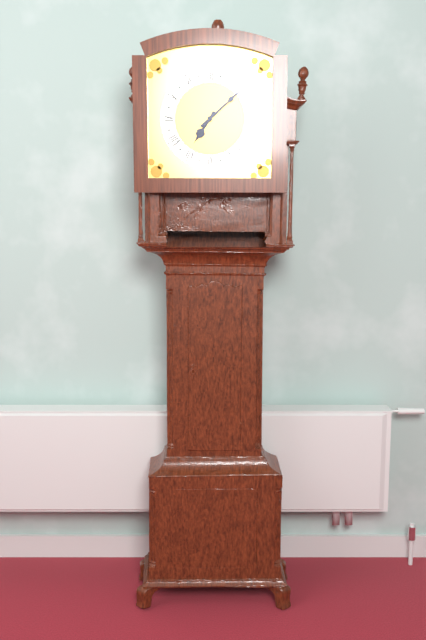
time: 7:08
